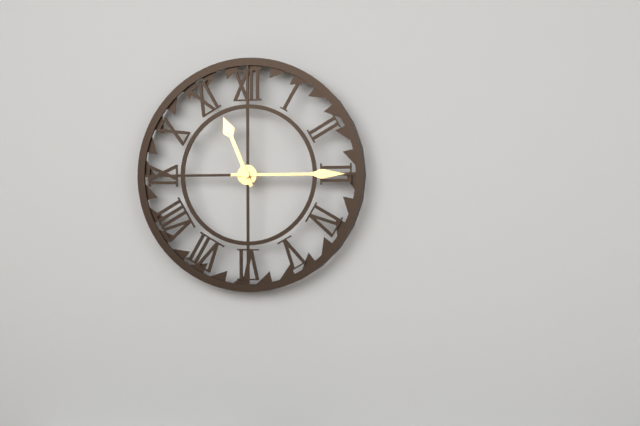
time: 11:15
